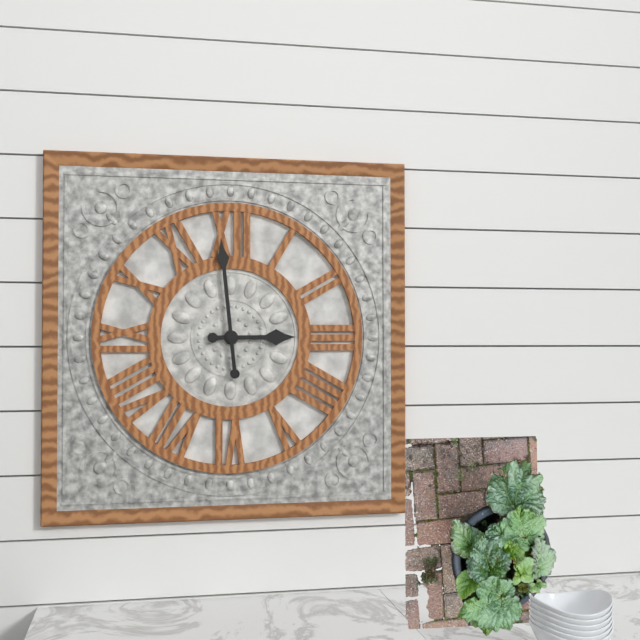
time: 2:59
